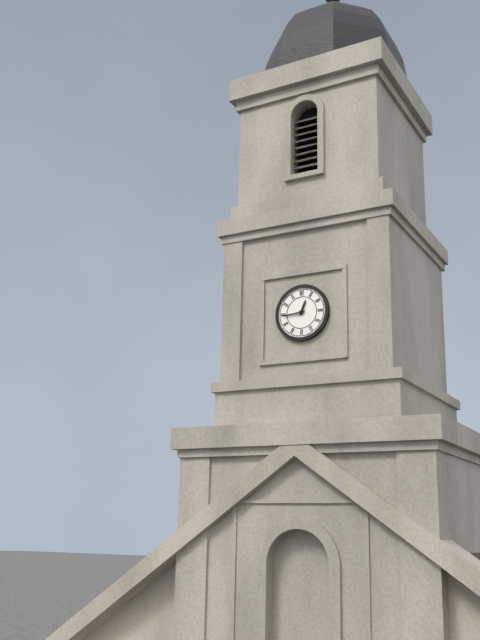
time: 12:44
